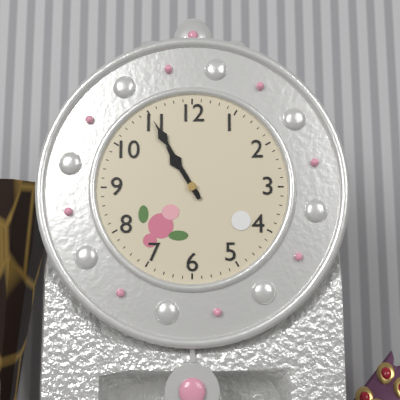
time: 10:55
